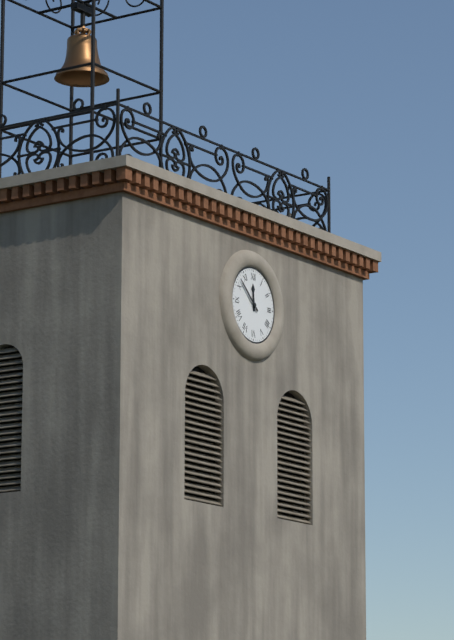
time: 11:52
